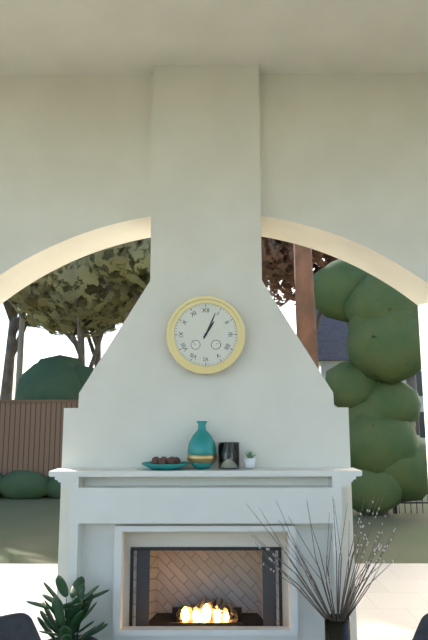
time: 1:04
